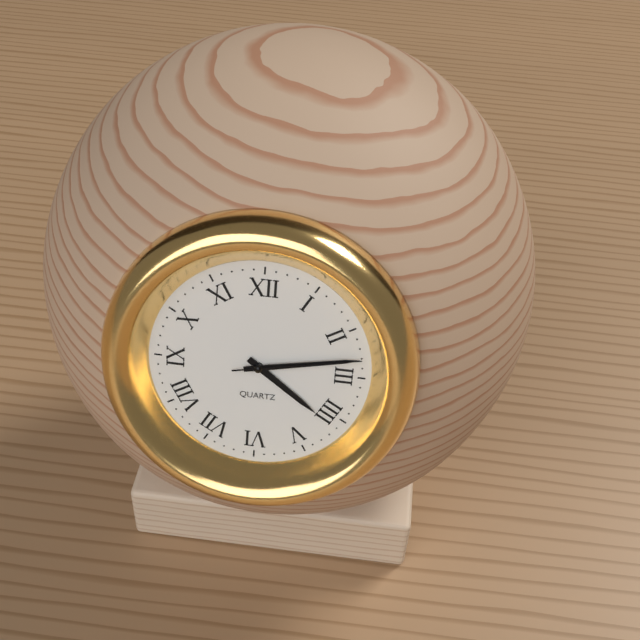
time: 4:13:13
